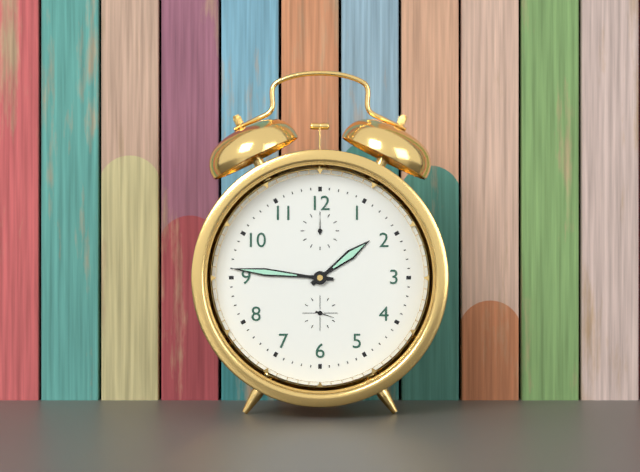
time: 1:46
